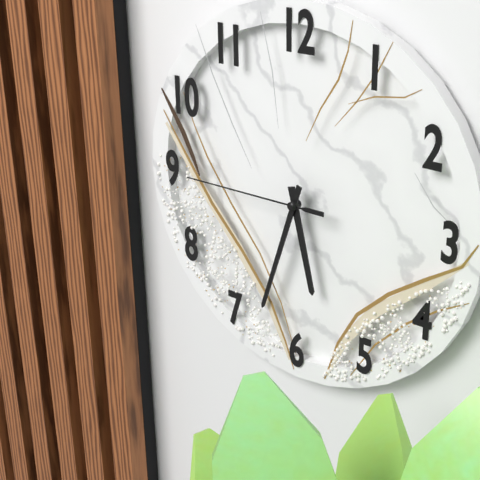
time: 5:33:45
